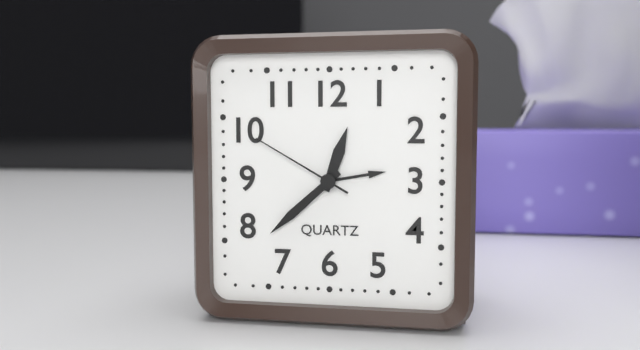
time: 12:38:50
